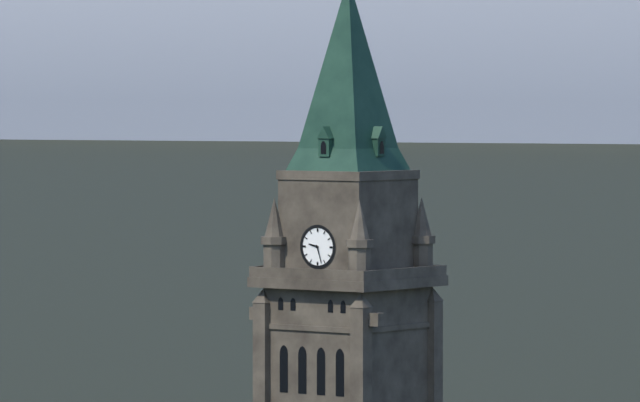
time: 9:27
